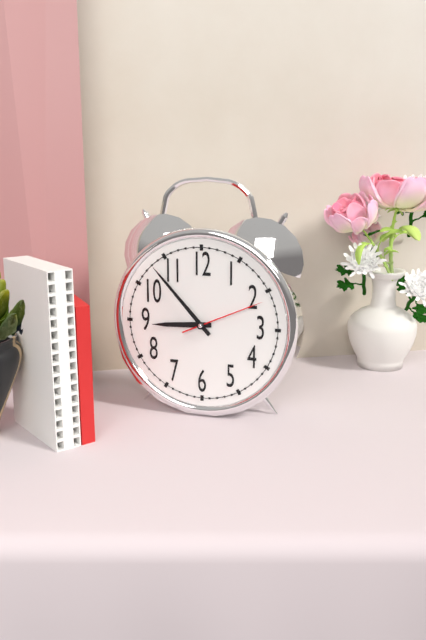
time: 8:53:11
